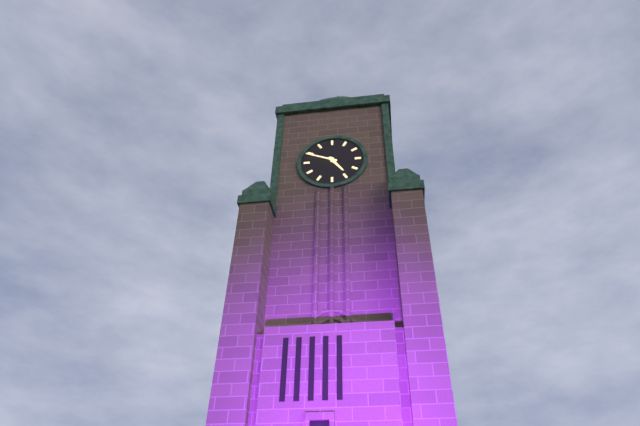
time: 4:49
